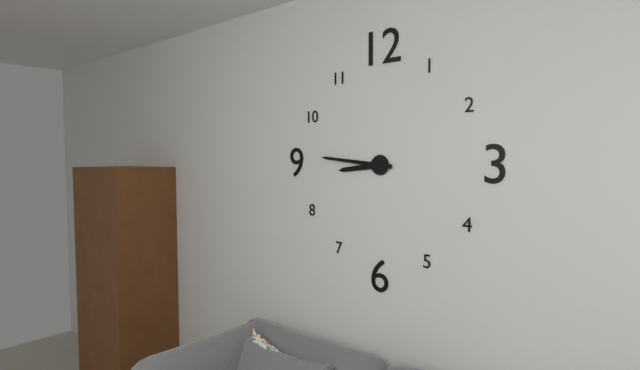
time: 8:46
